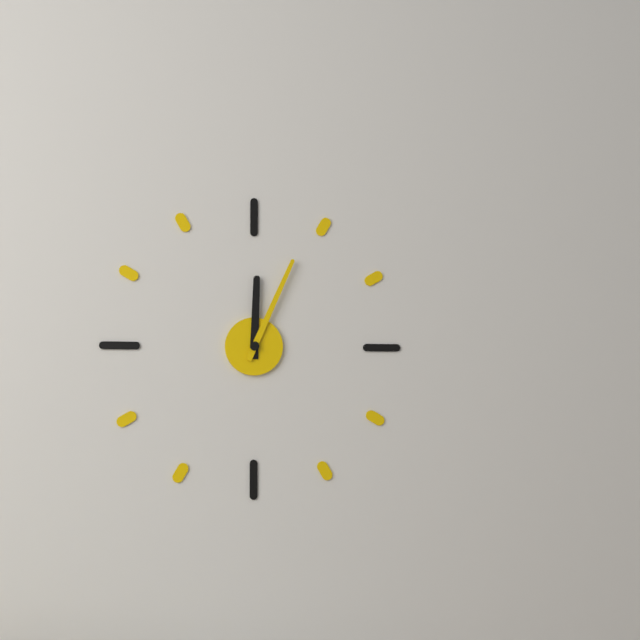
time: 12:04
